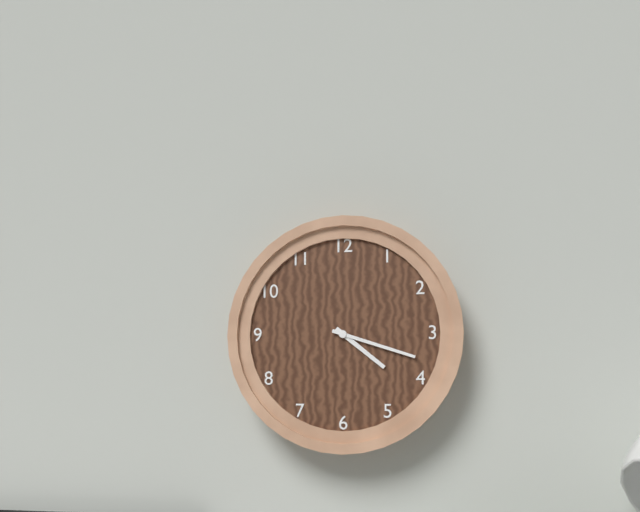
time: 4:18
